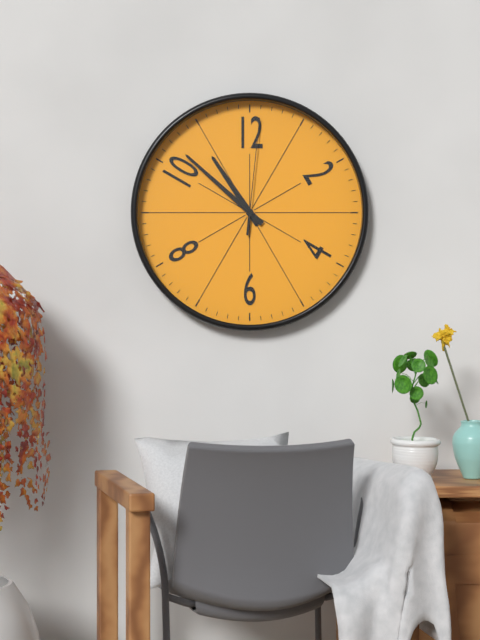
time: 10:52:01
